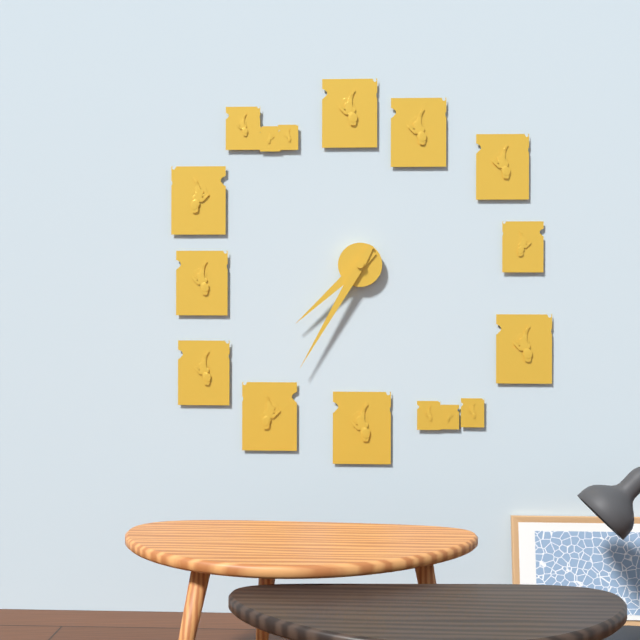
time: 7:35
